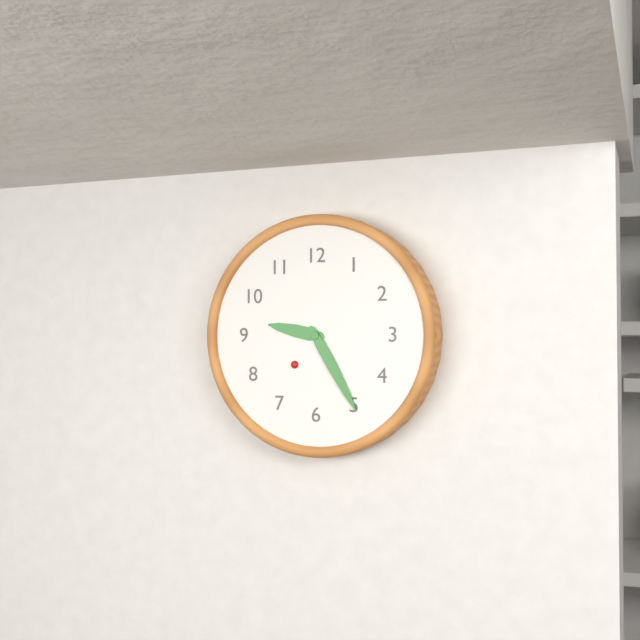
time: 9:25
